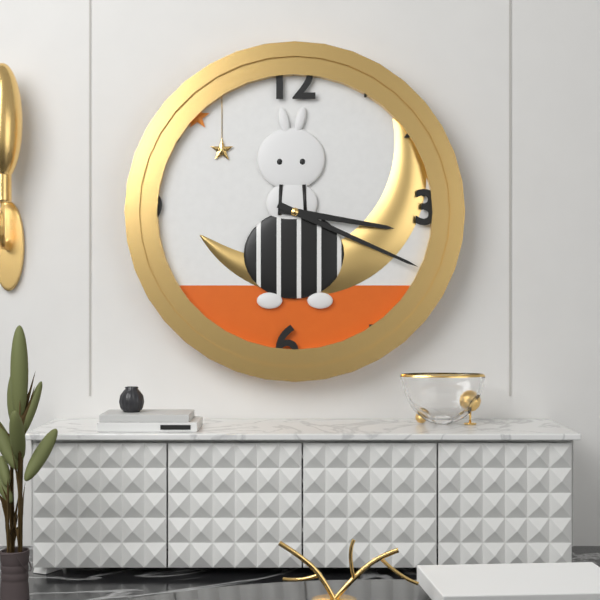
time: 3:19
